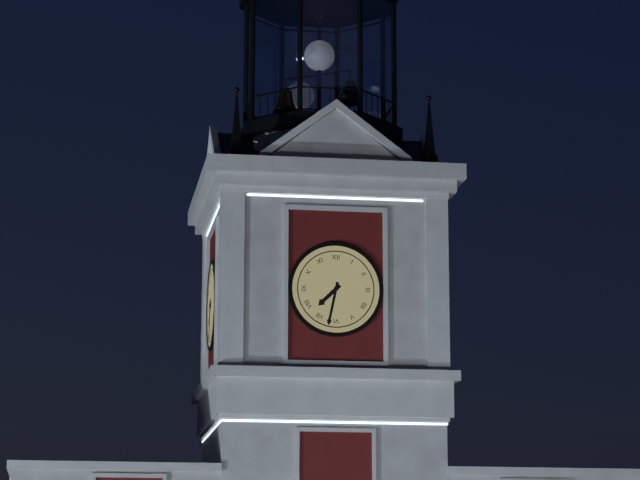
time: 7:32
